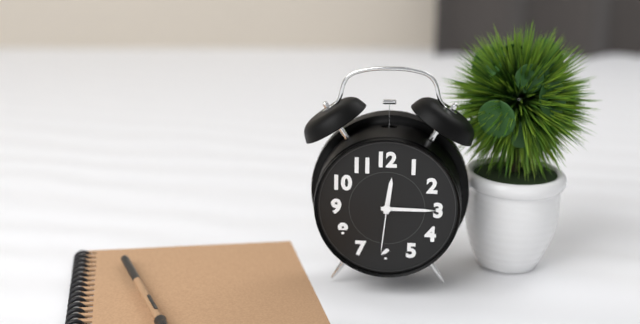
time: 12:15:31
